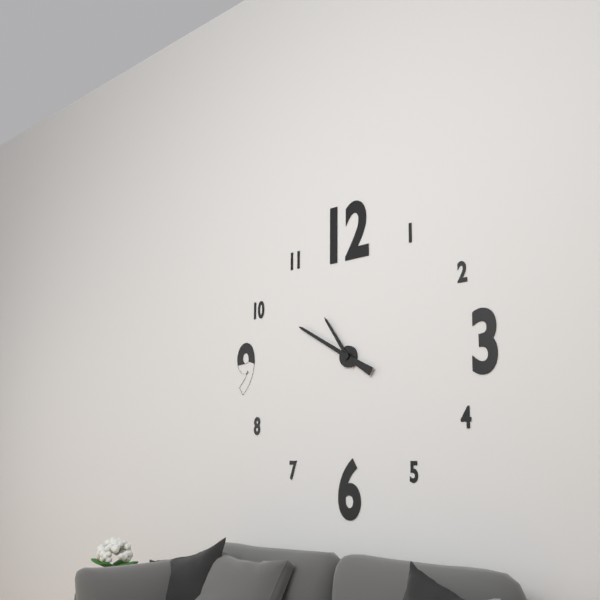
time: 10:50
